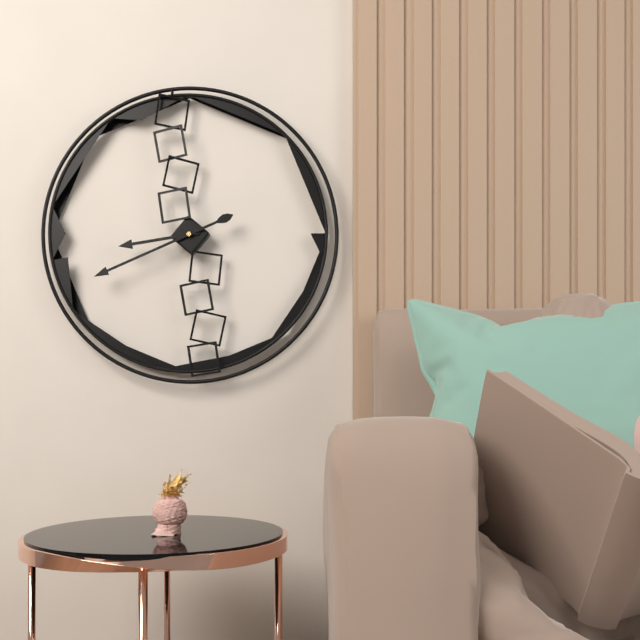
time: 8:41
